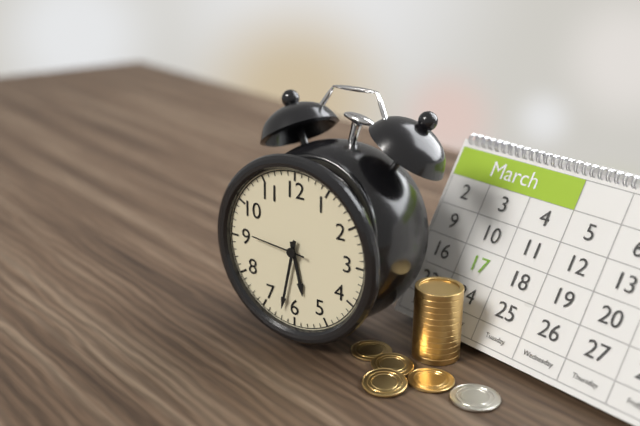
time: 5:32:46
